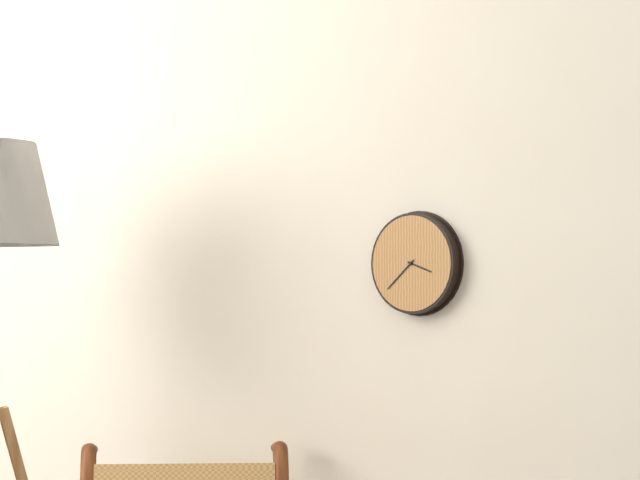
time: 3:38
